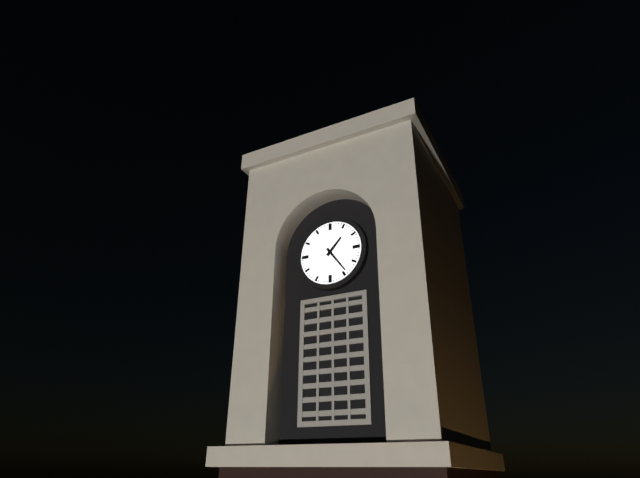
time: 1:24
